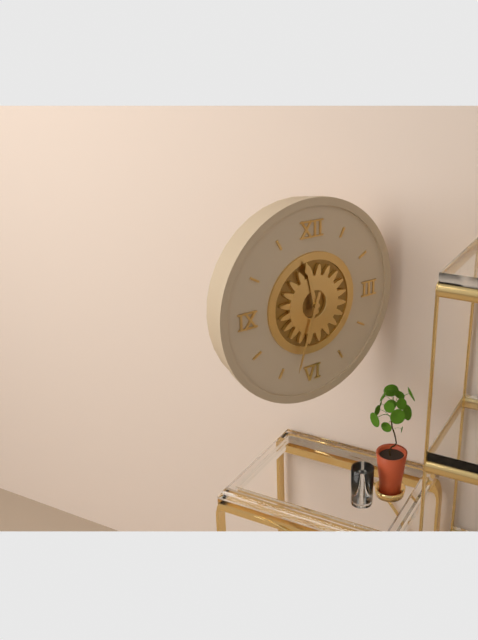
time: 11:33
